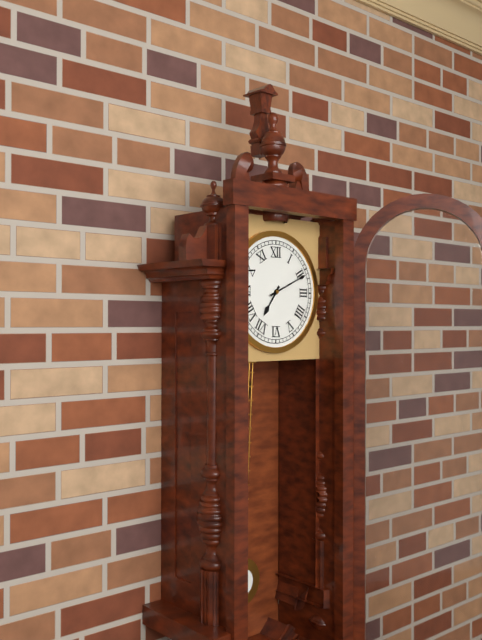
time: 7:11
